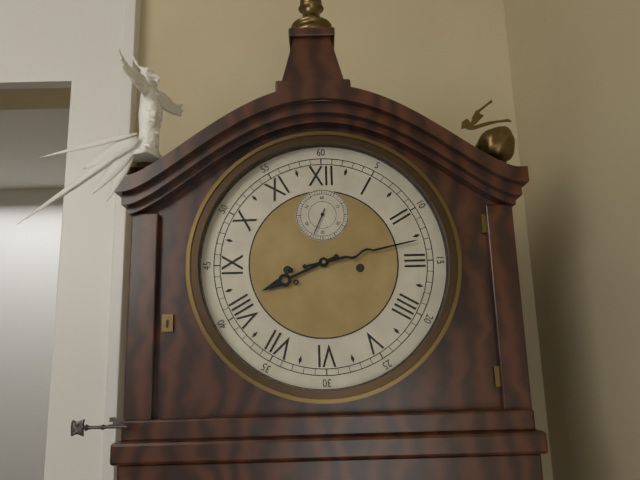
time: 8:13
